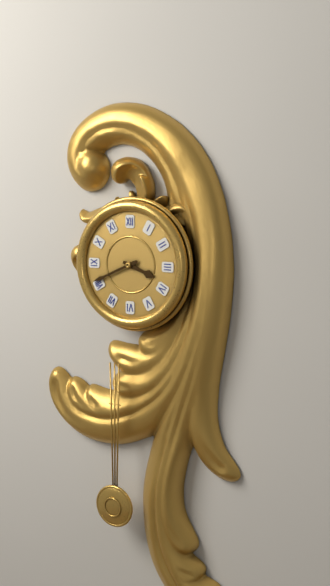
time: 3:41
